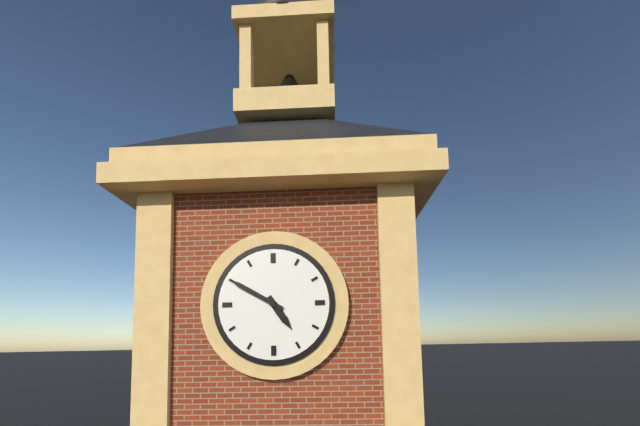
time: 4:50
